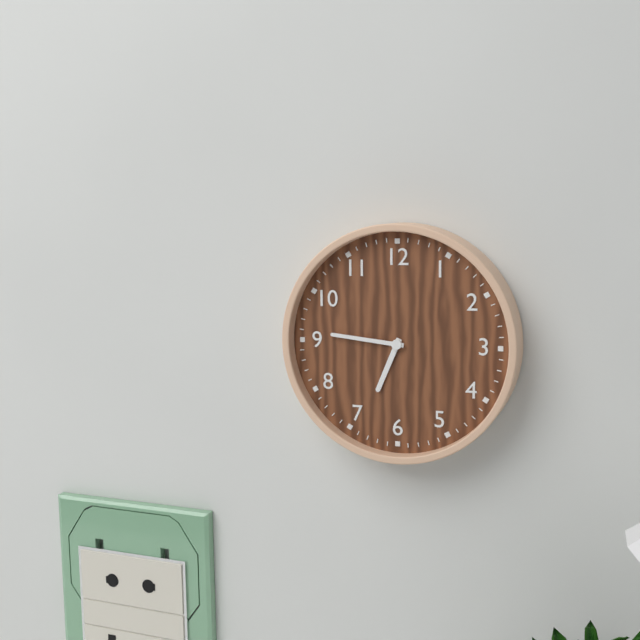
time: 6:46
